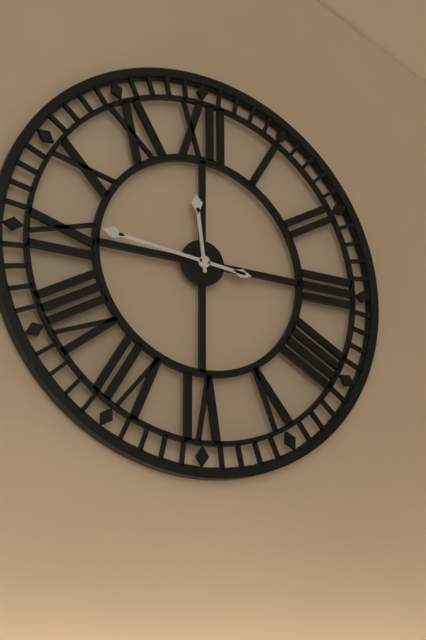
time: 11:46
